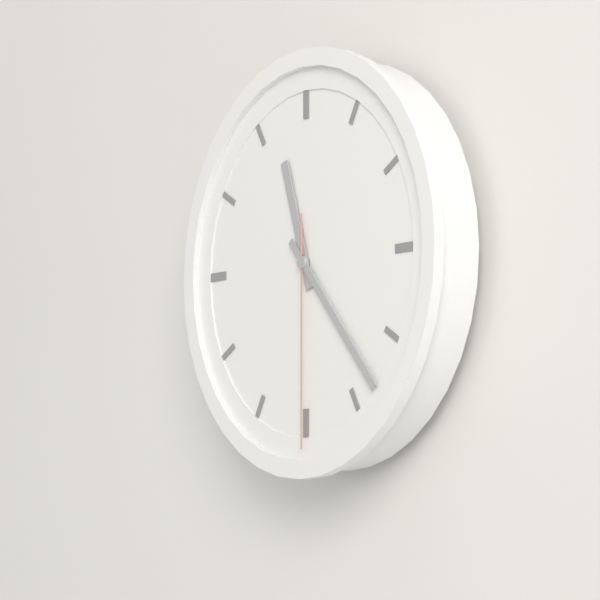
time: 11:23:30
